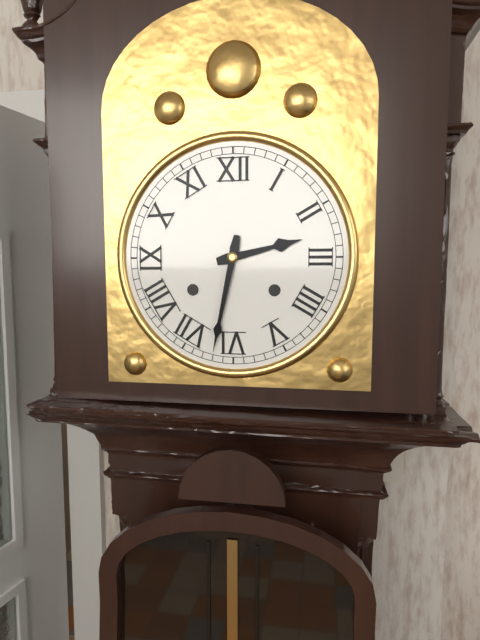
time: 2:32
